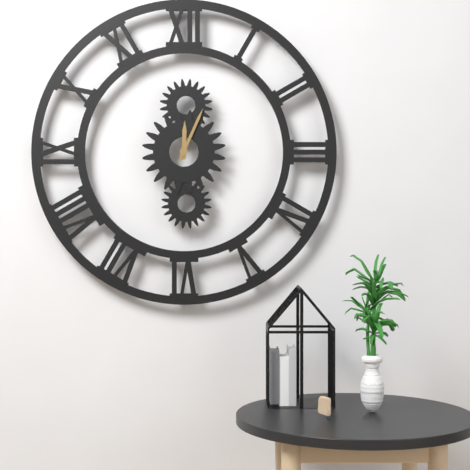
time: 12:04
